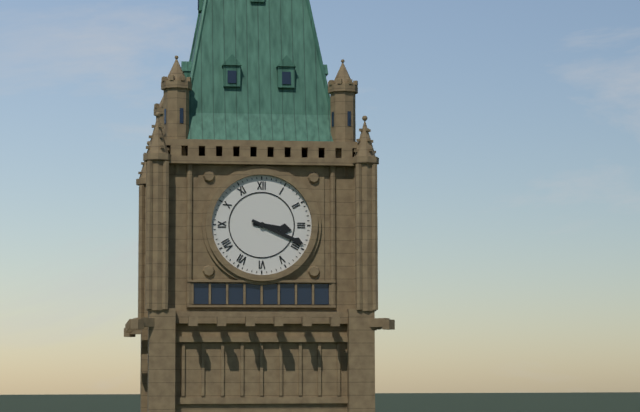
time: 3:19
